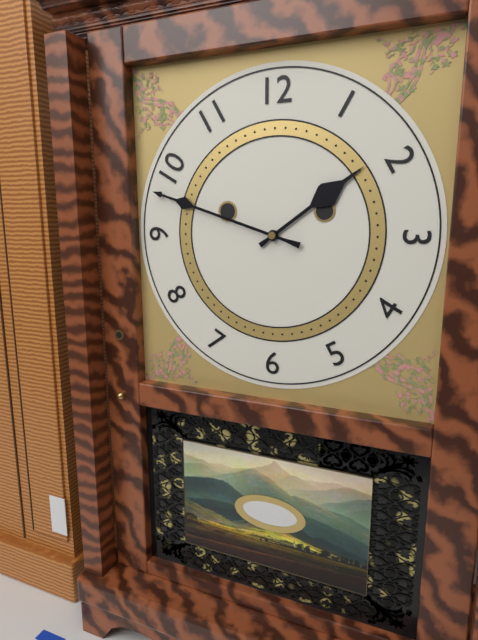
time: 1:48
